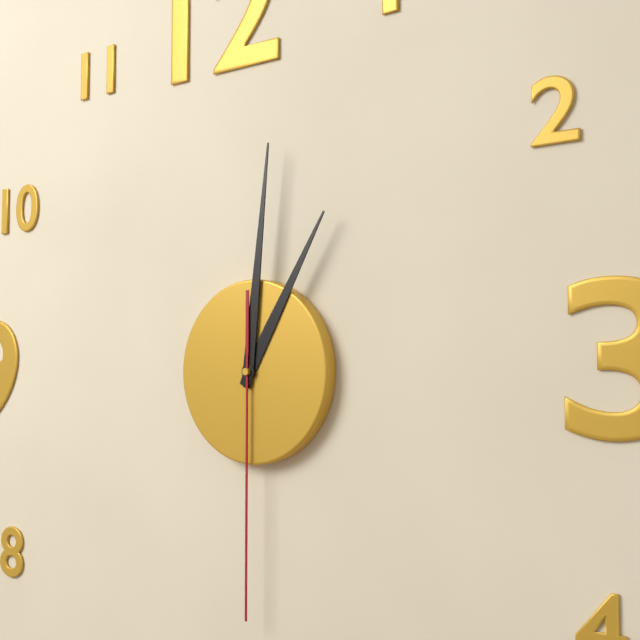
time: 1:01:30
